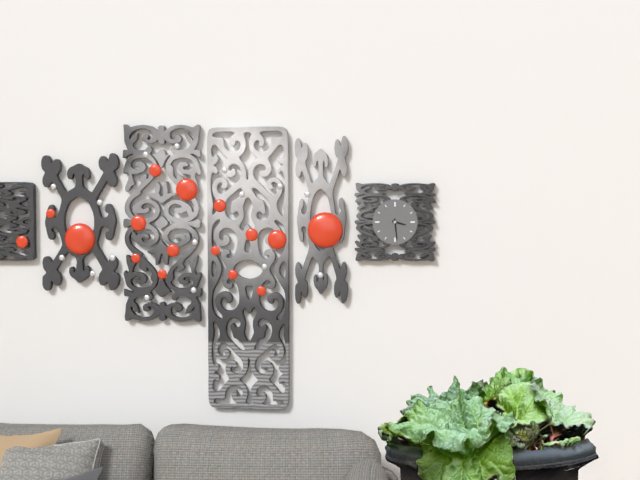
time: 3:29
